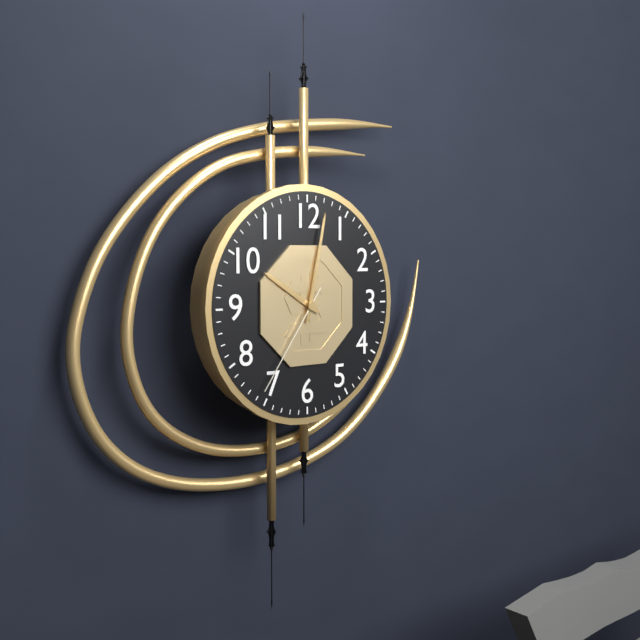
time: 10:02:36
